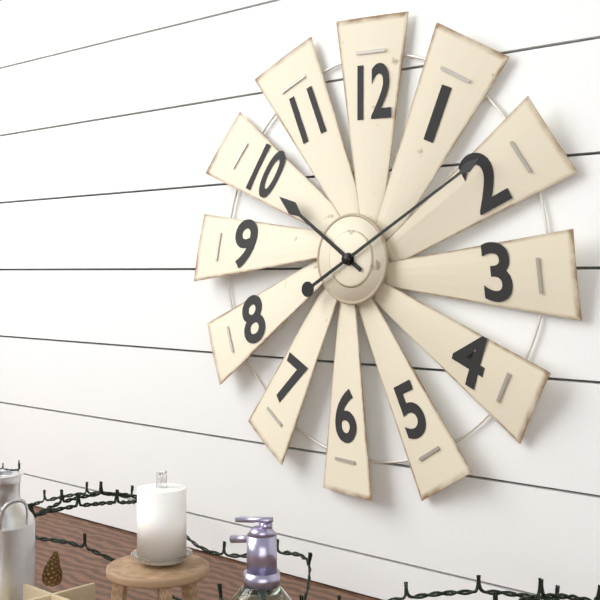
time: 10:10
